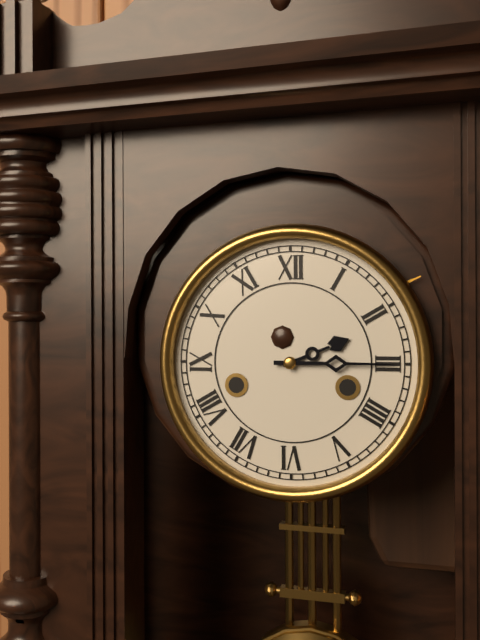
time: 2:15
